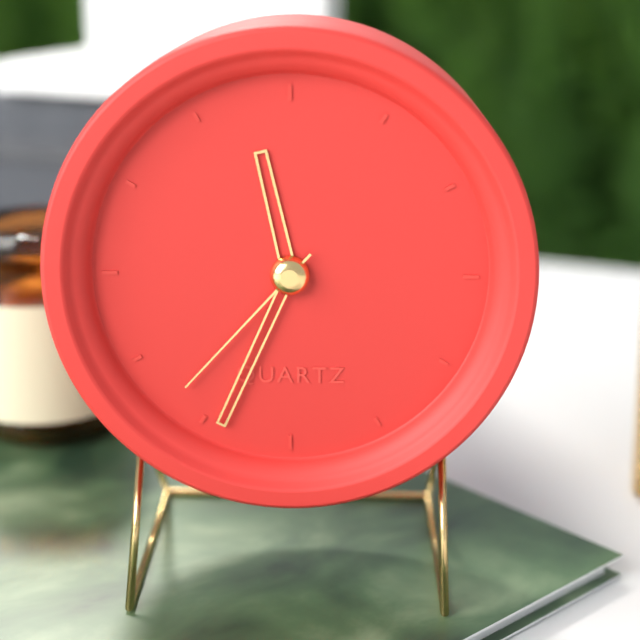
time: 11:34:37
